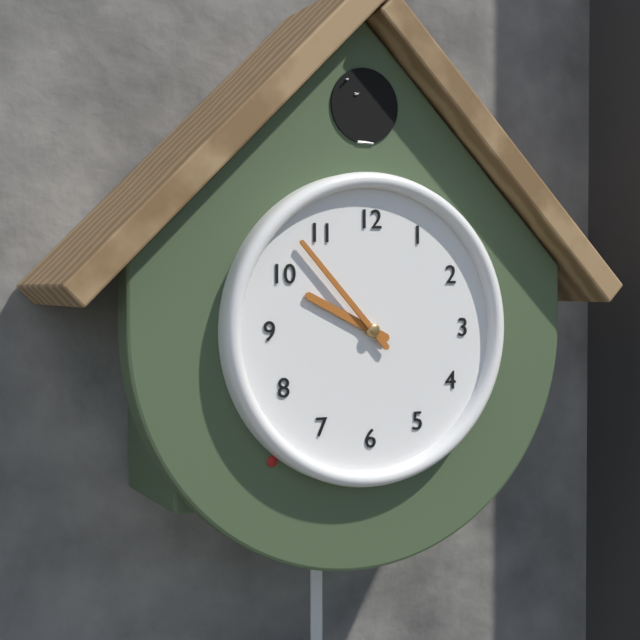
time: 9:53
